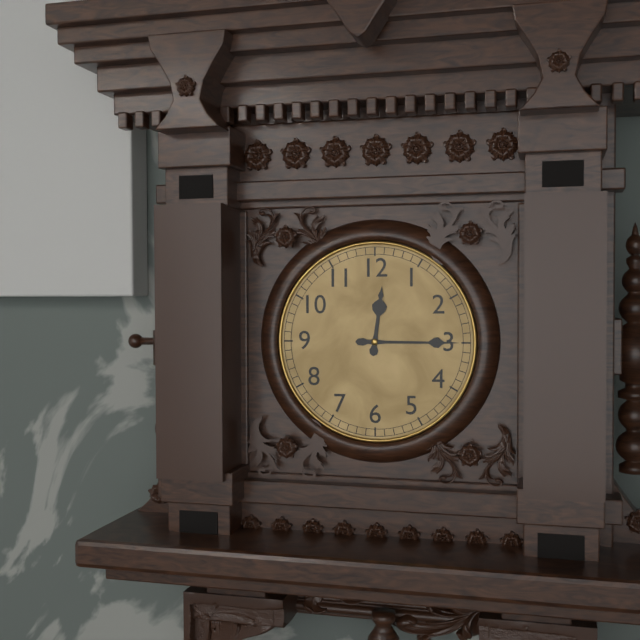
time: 12:15
